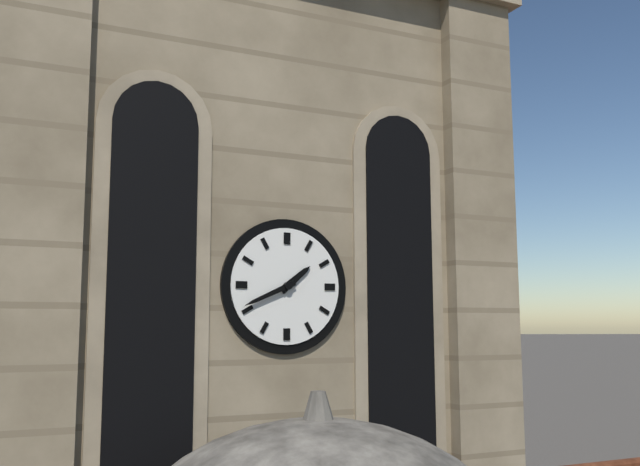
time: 1:41
